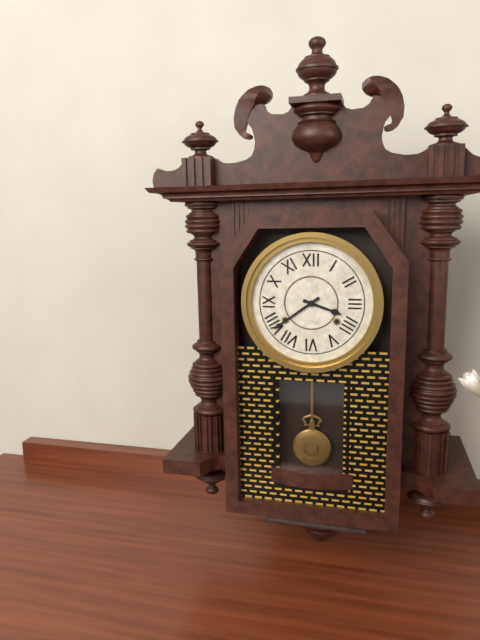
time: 3:39
